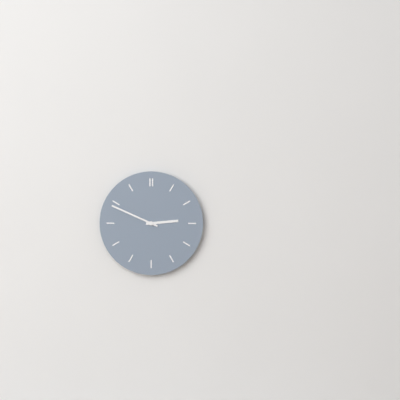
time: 2:49
